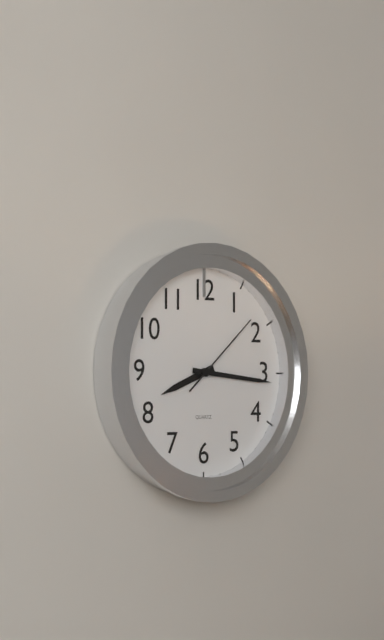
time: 8:16:08
